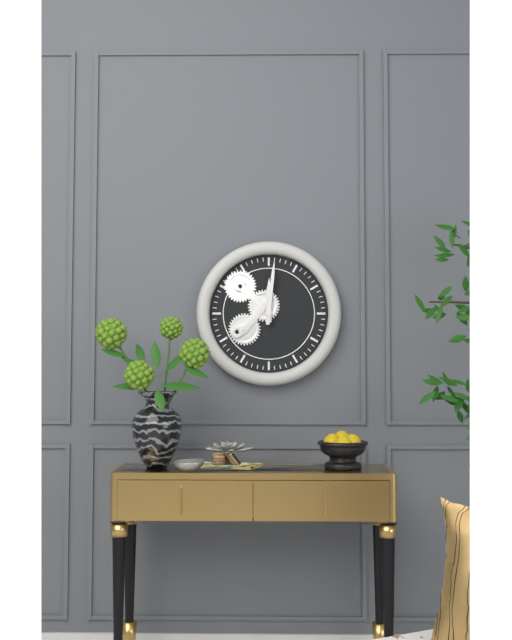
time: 12:01
